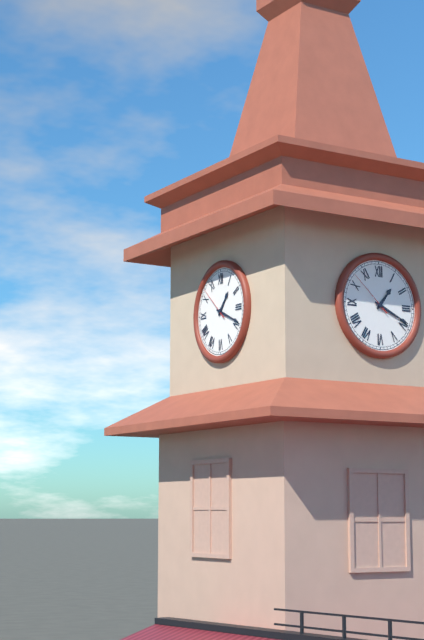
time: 1:19
